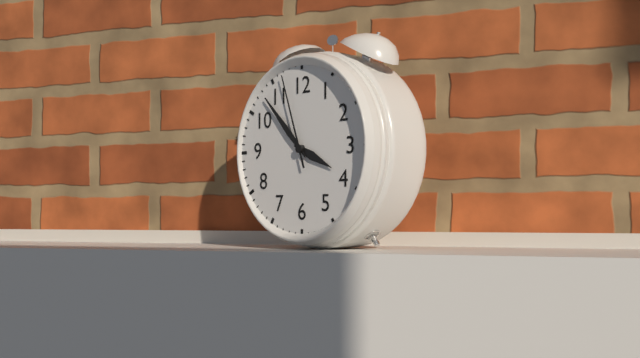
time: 3:53:57
